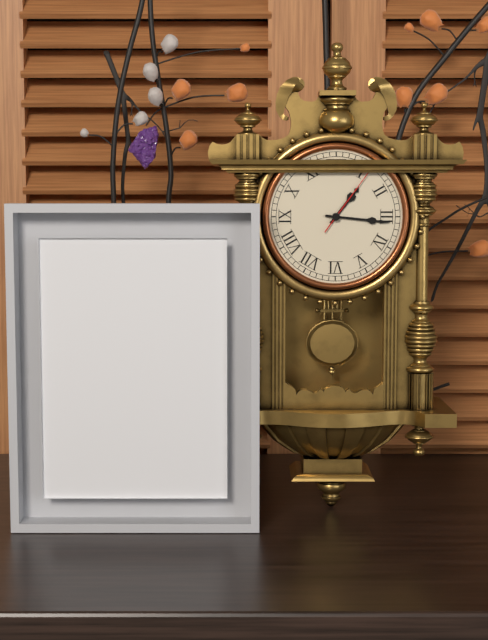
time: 1:16:06
